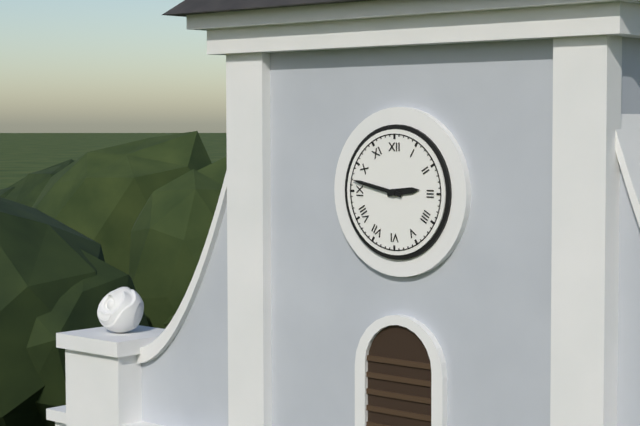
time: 2:47
